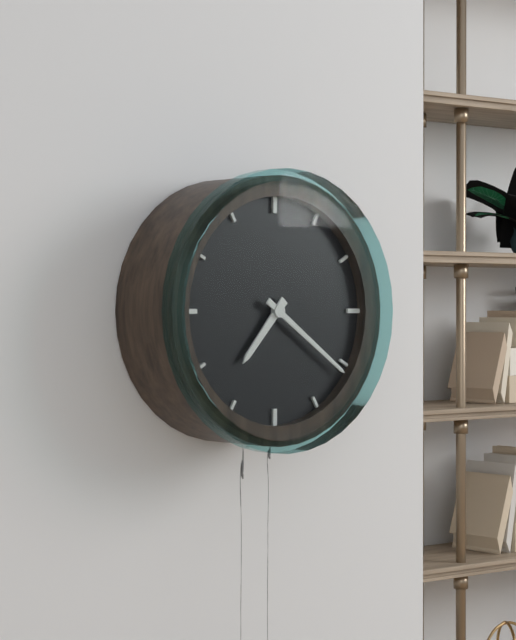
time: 7:21
